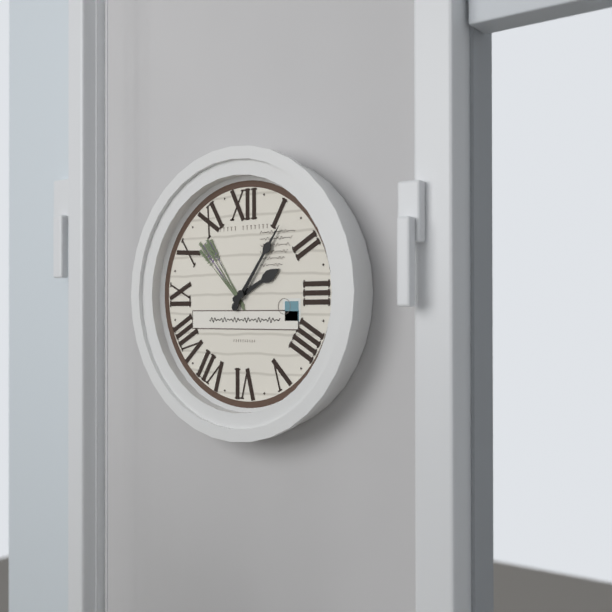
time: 2:06
